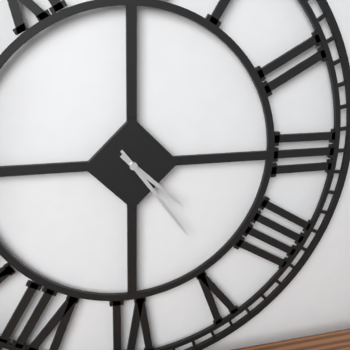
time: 4:24
